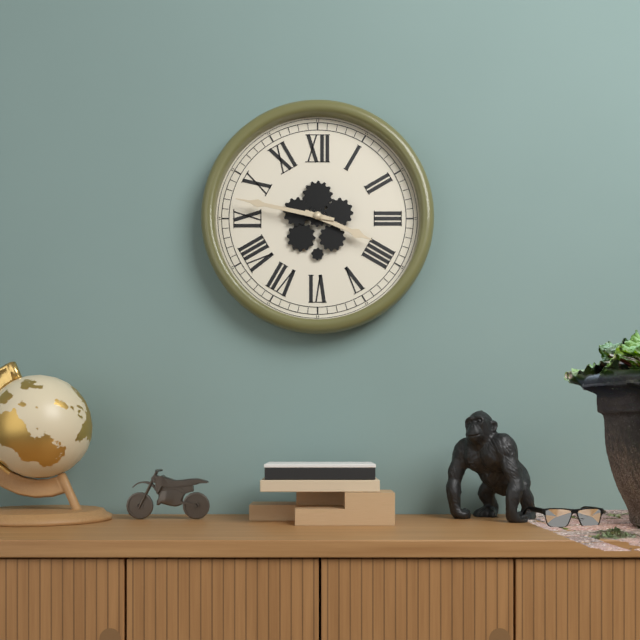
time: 3:47
